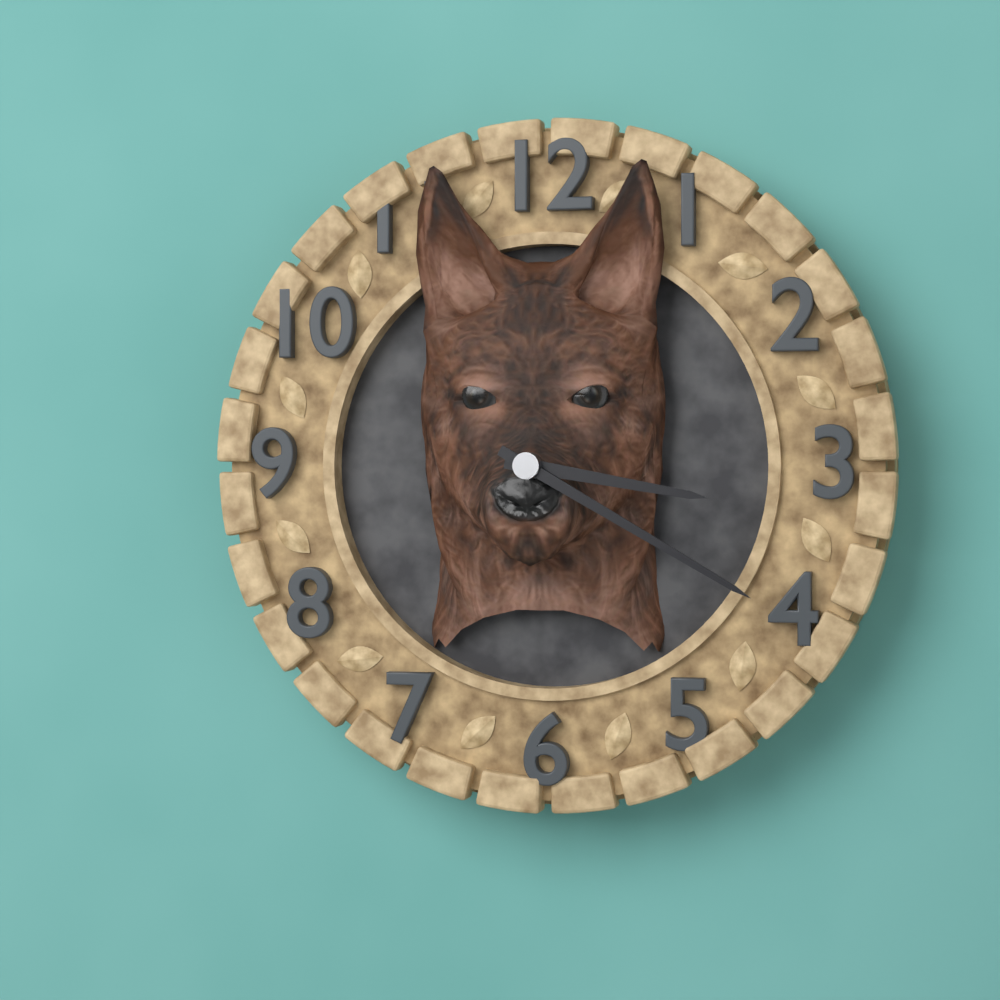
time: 3:20
